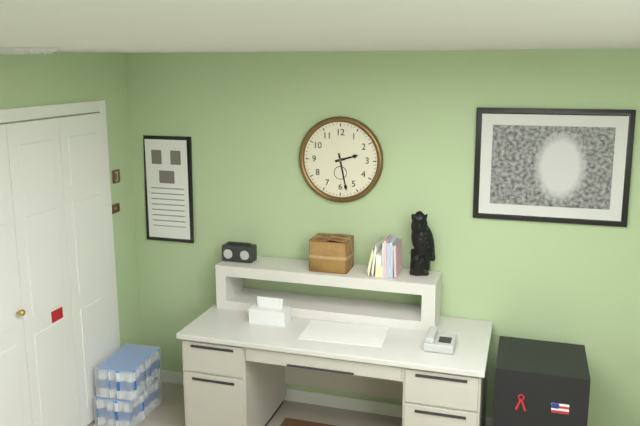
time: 2:28
